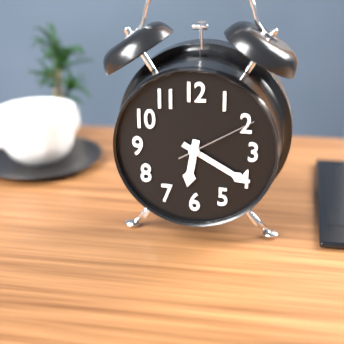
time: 6:20:10
